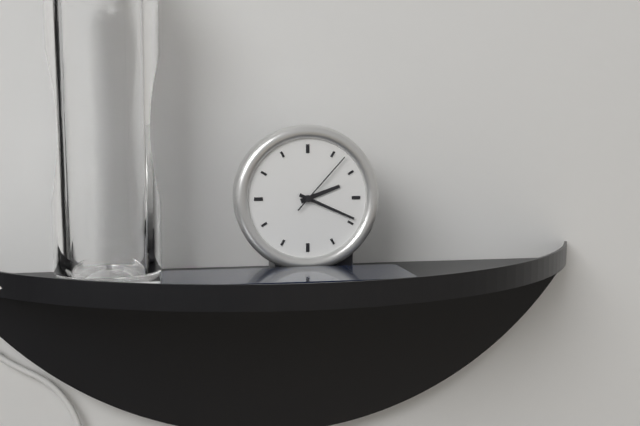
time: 2:19:07
